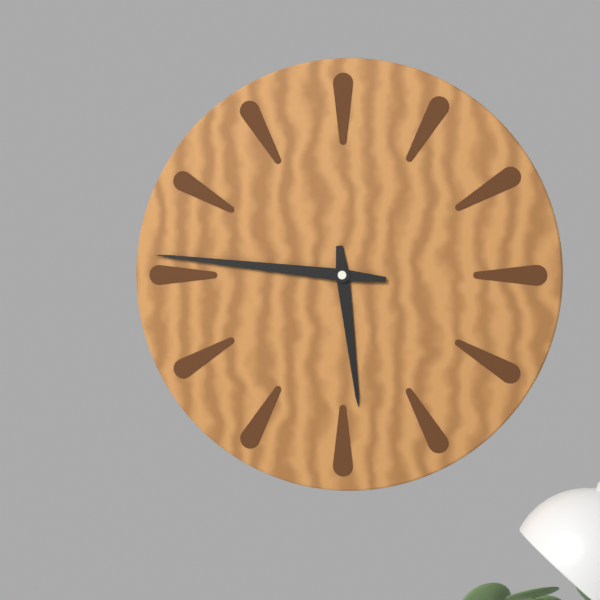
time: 5:46
